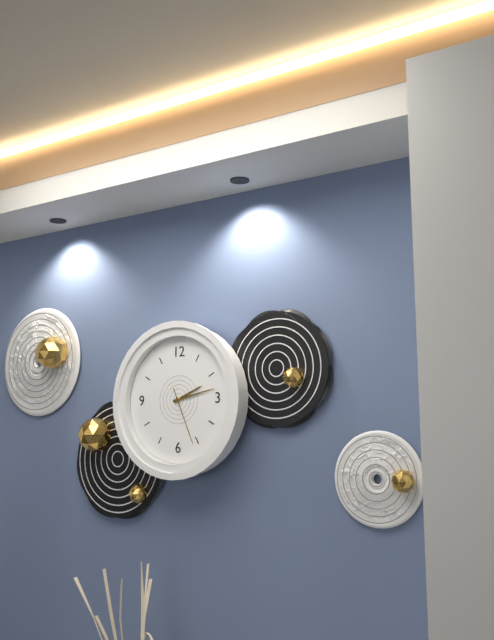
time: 2:13:26
